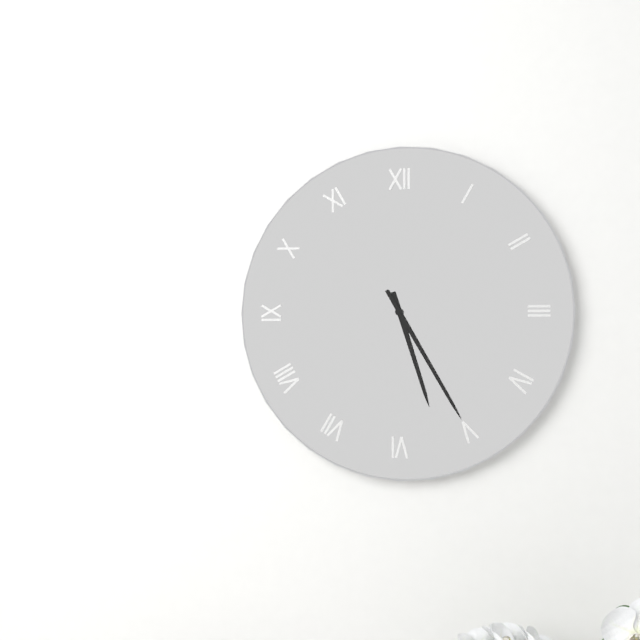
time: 5:25
